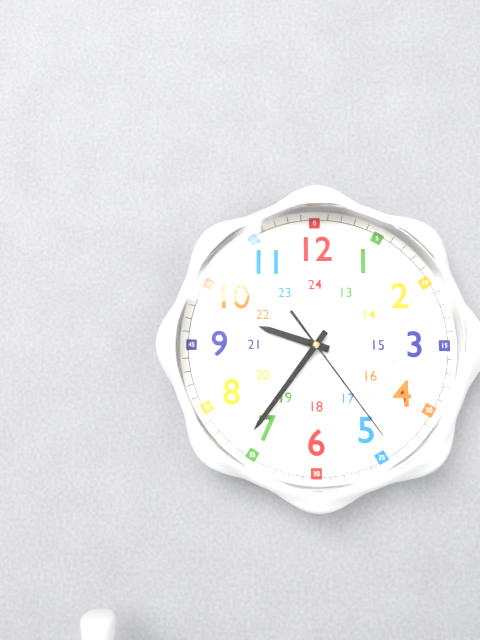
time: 9:36:24
